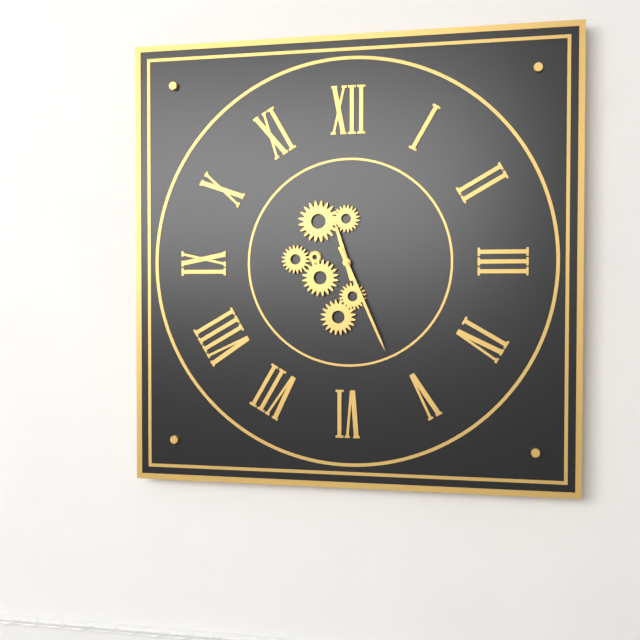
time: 11:26
